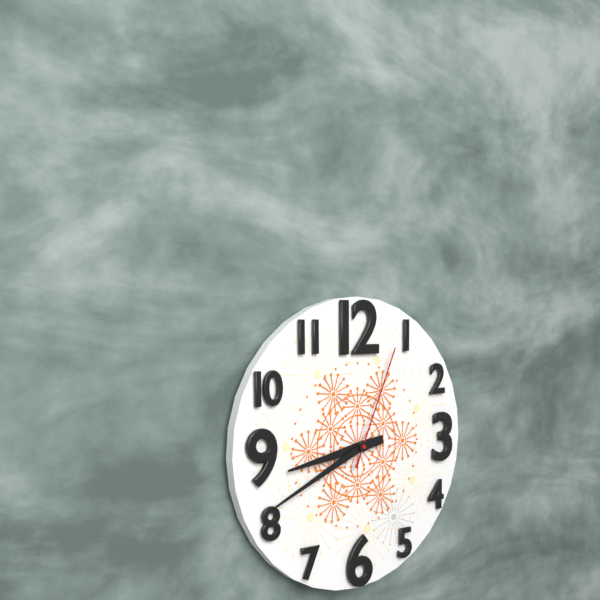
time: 8:41:04
